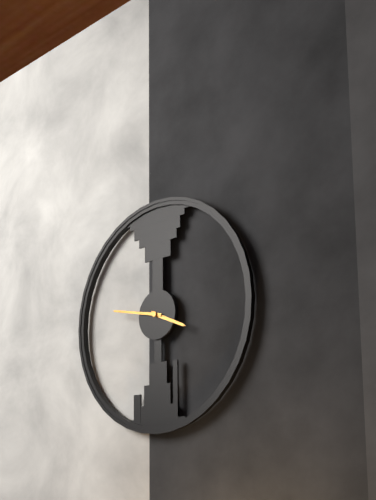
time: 3:47
